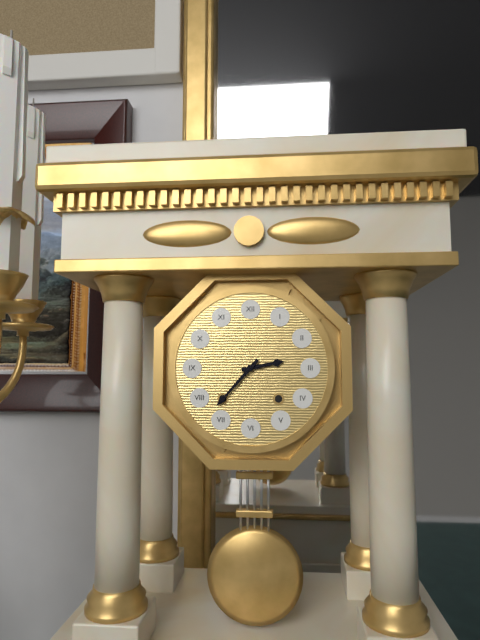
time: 2:37
